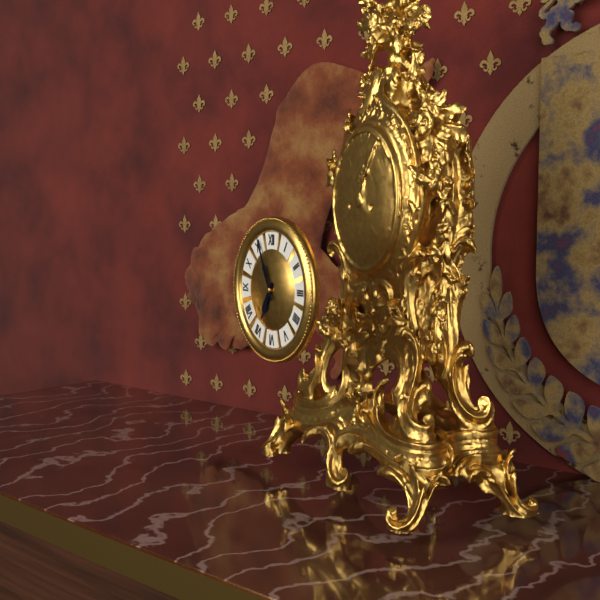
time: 6:56
